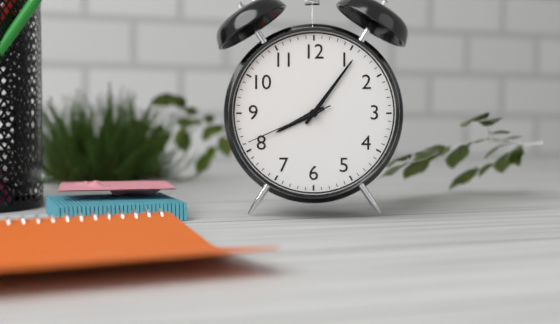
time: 8:06:41
